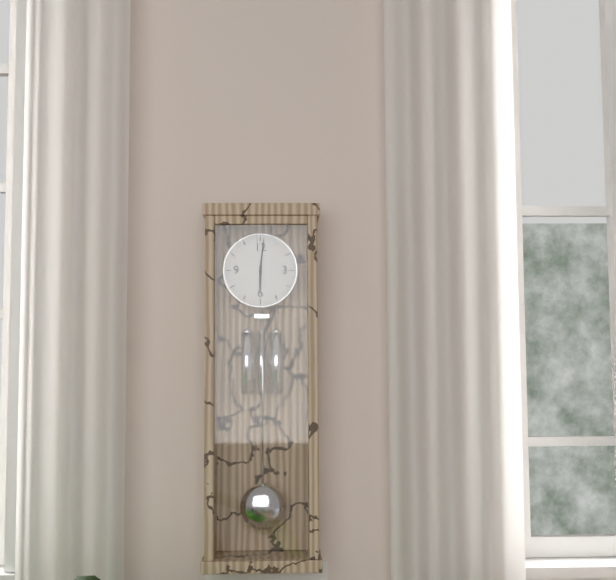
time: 6:01
